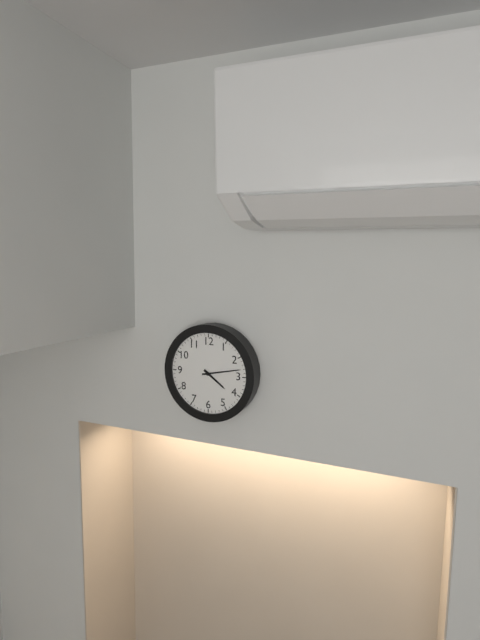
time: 4:13
